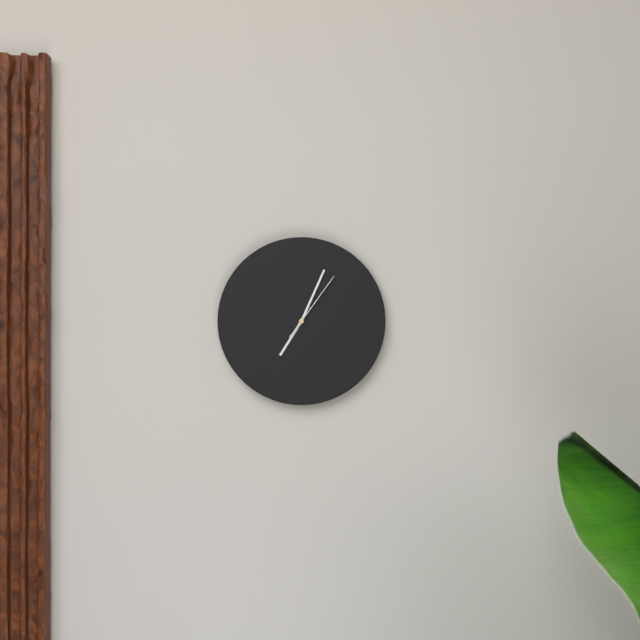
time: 7:04:06
